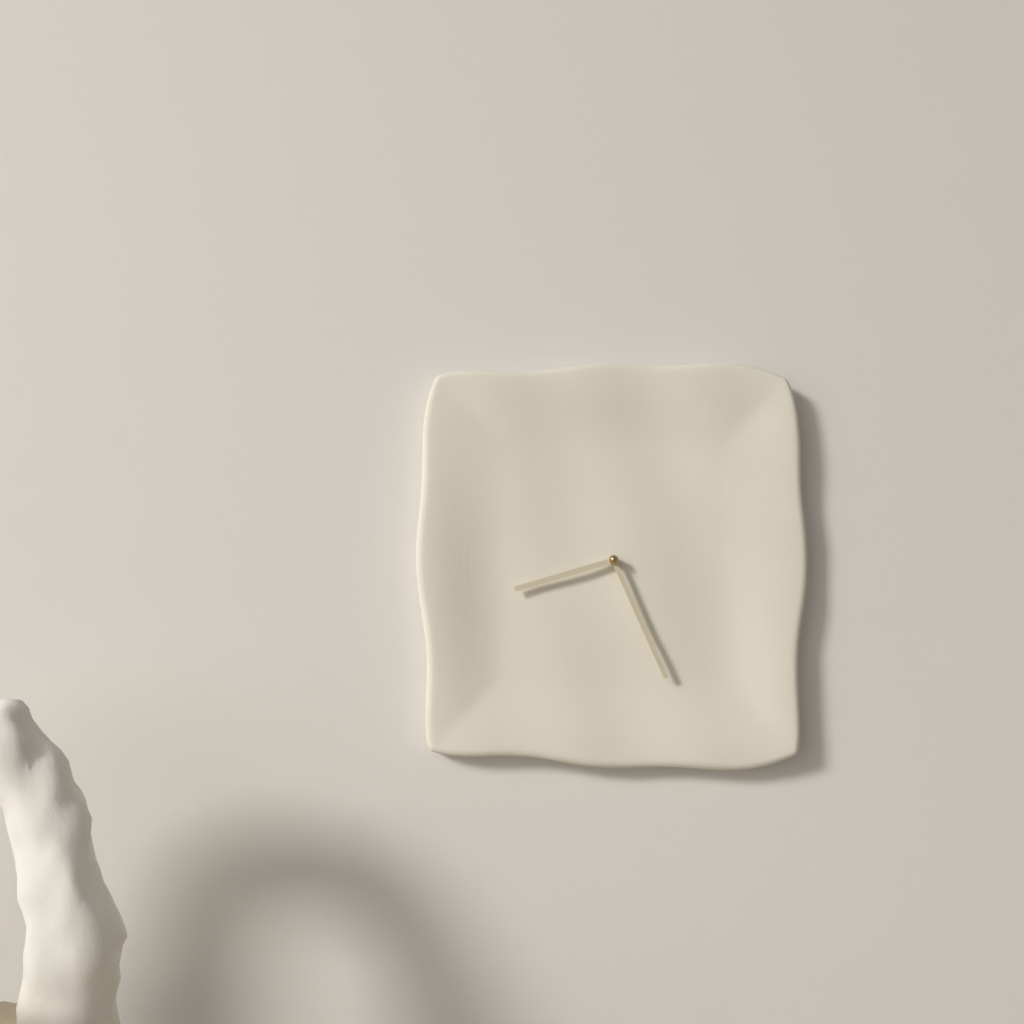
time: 8:26
